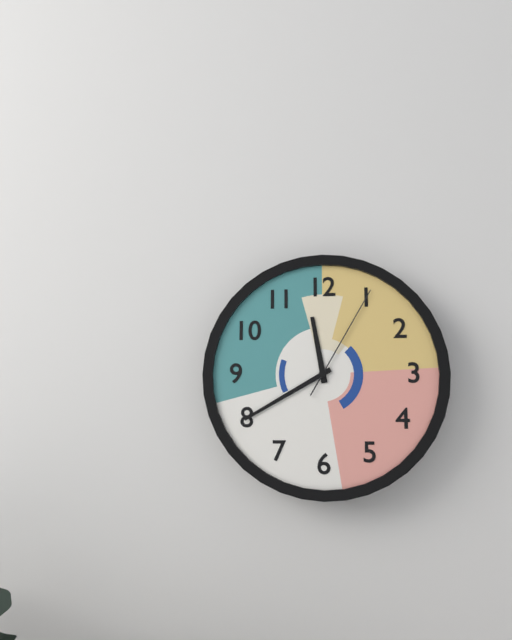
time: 11:40:05
